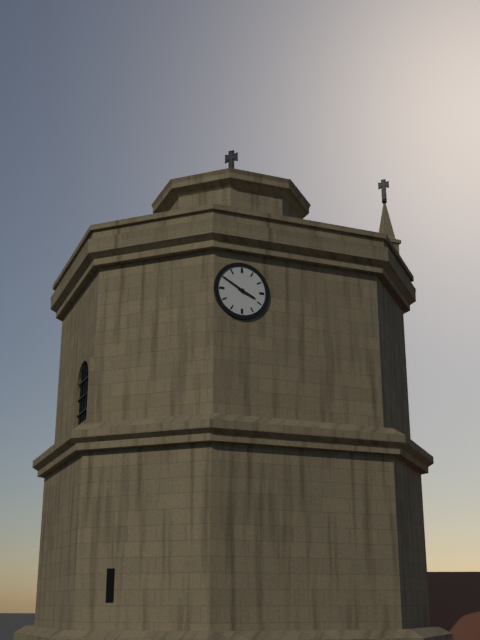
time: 3:50
